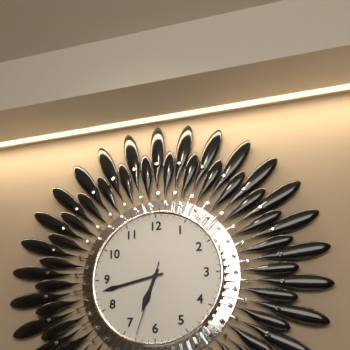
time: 6:43:33
